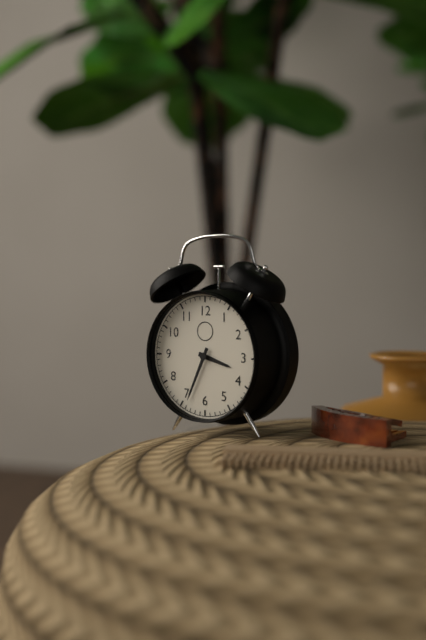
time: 3:34
